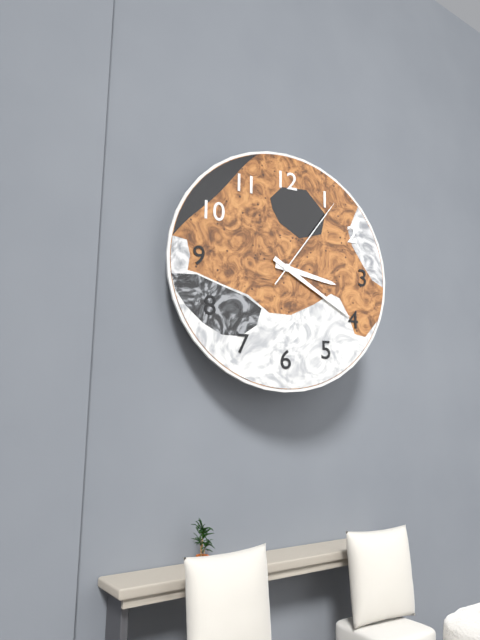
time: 3:20:06
